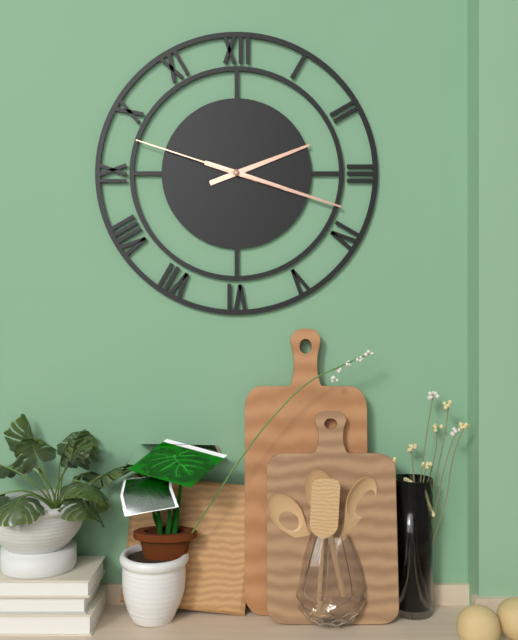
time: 2:18:48
